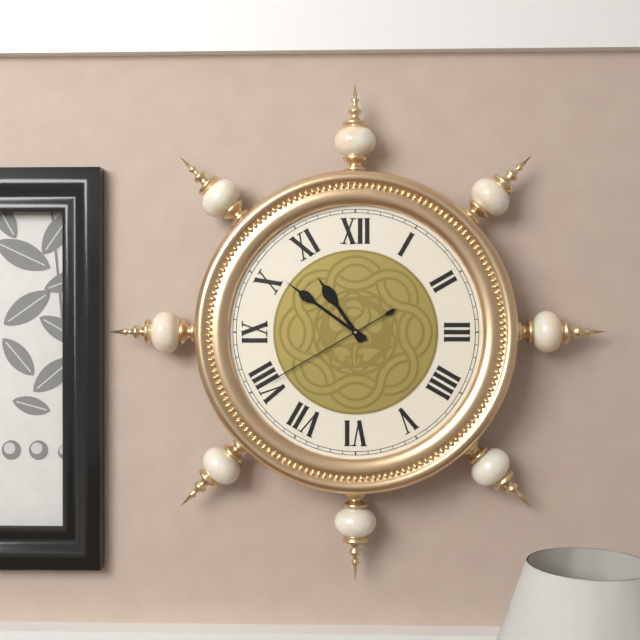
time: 10:51:40
